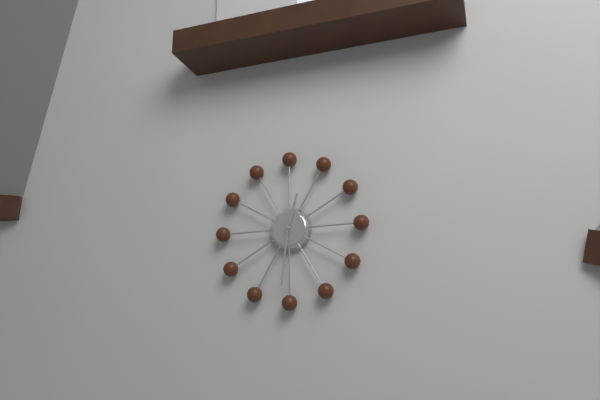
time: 12:31
